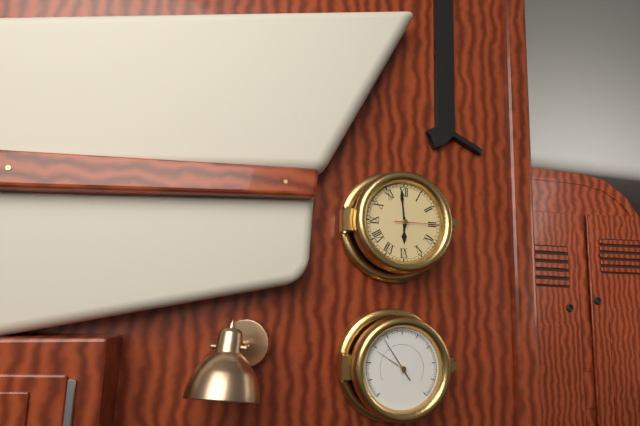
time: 5:59:15
